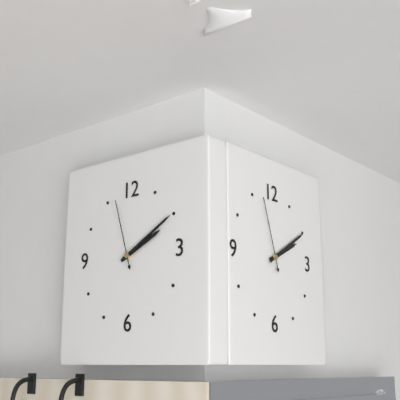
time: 2:10:57
